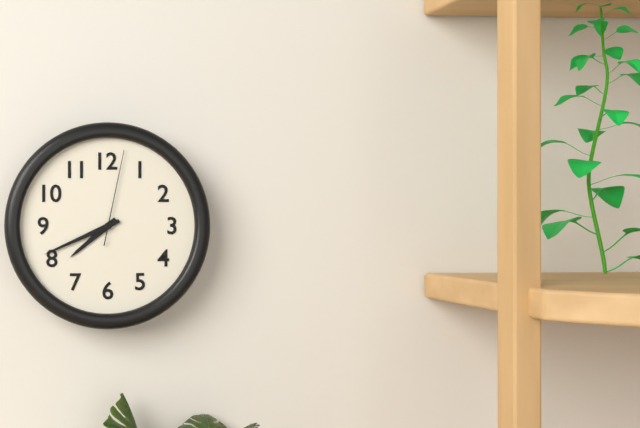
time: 7:41:02
